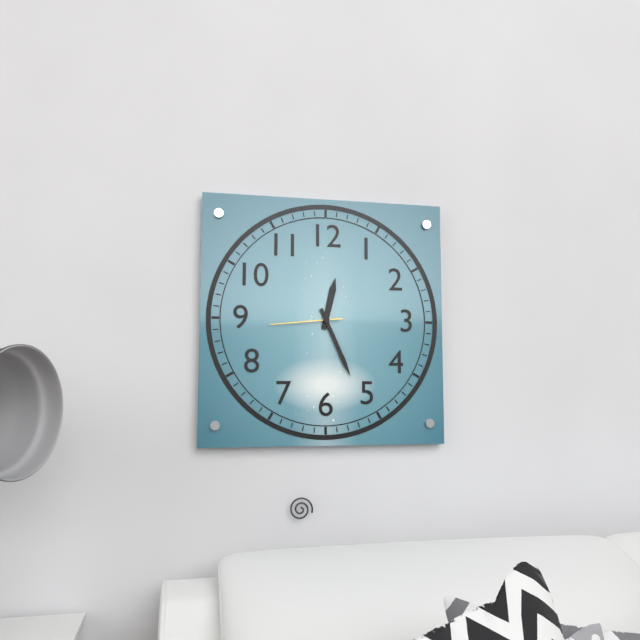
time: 12:26:44
